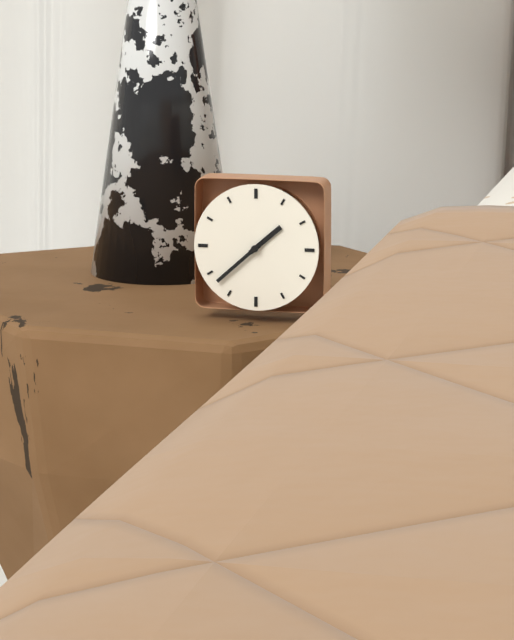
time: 1:38
